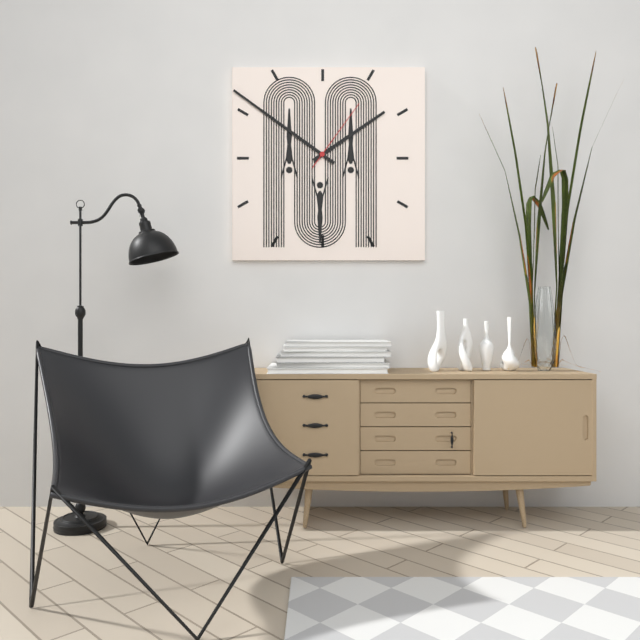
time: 1:51:06
